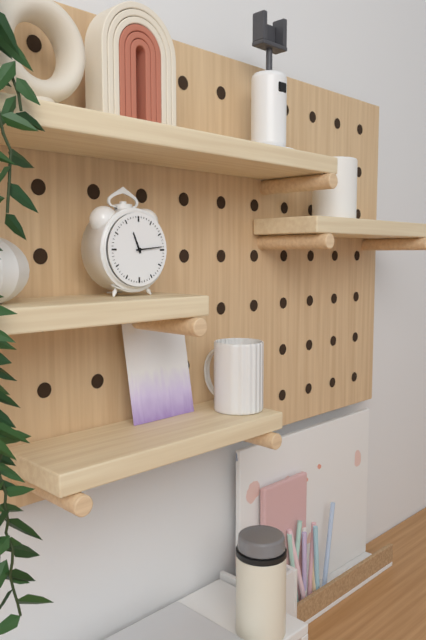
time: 11:14
